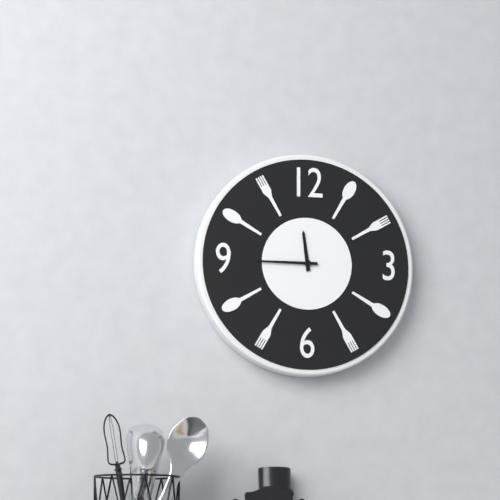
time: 11:45
